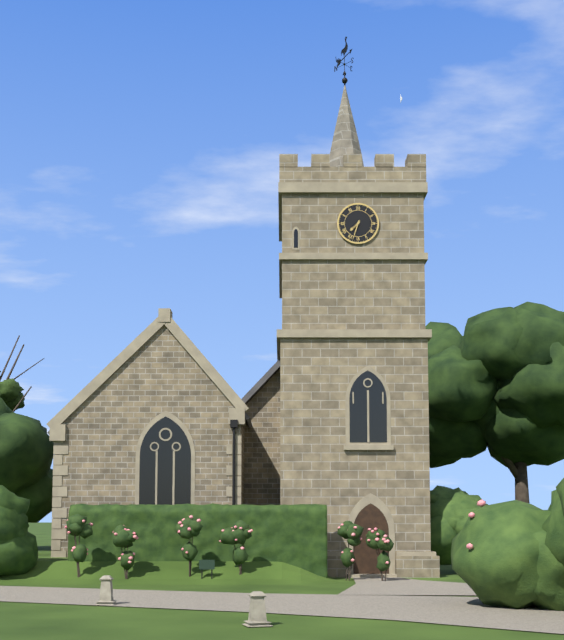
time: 7:33
